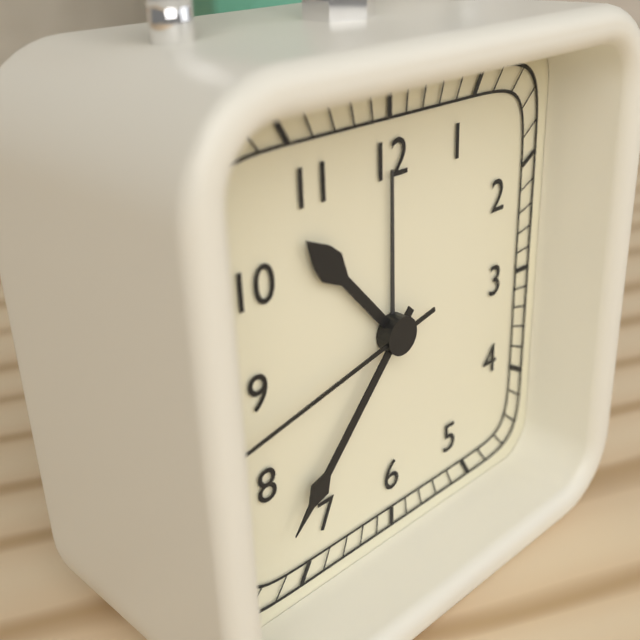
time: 10:37:43
